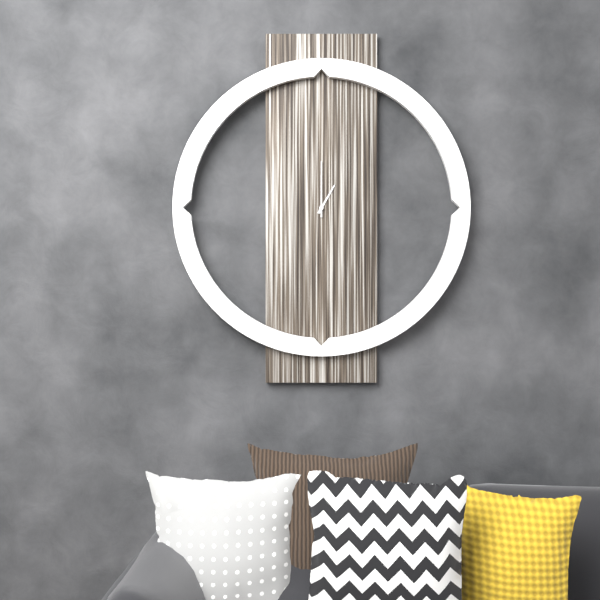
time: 1:00
